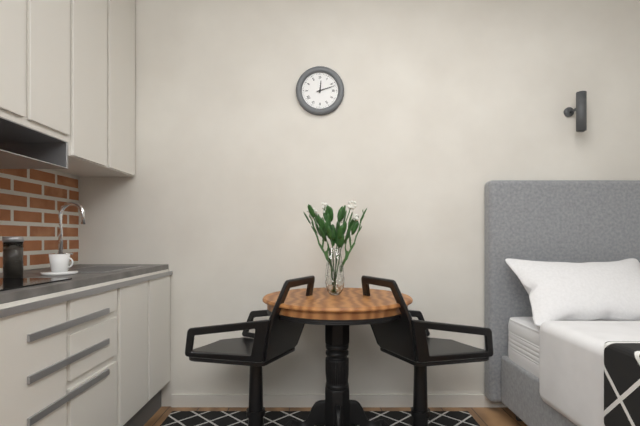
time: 12:12
